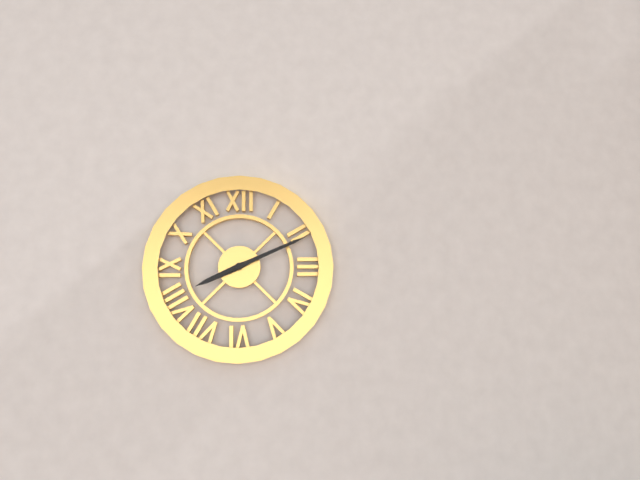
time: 8:11
